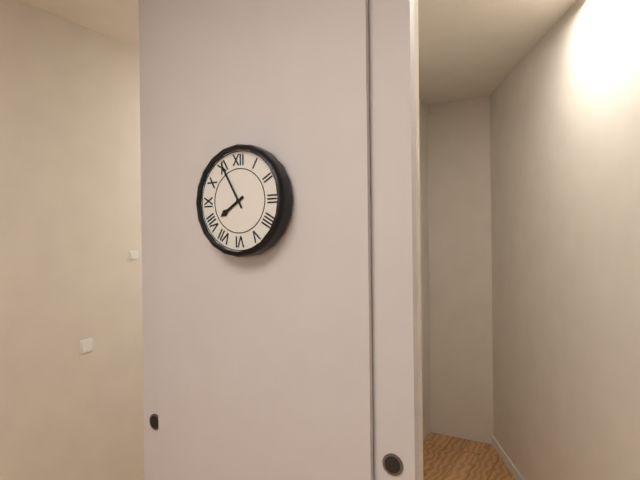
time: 7:55
